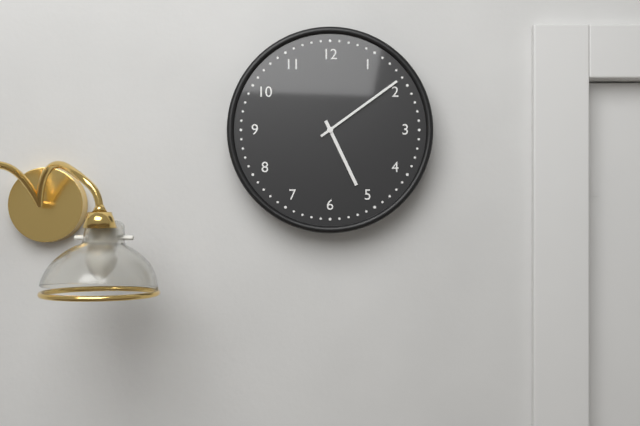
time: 5:09
